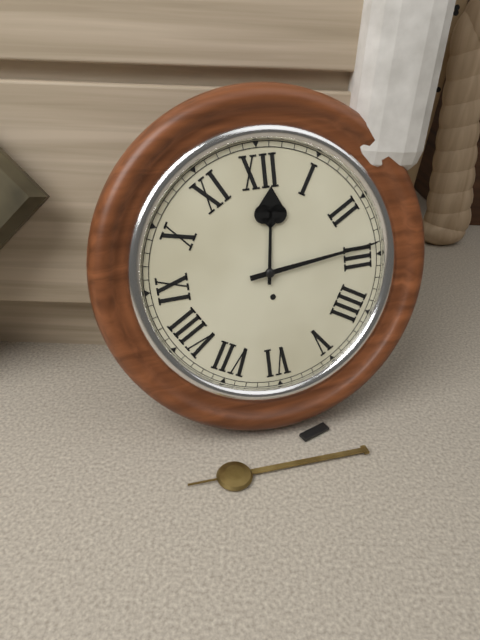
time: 12:14
